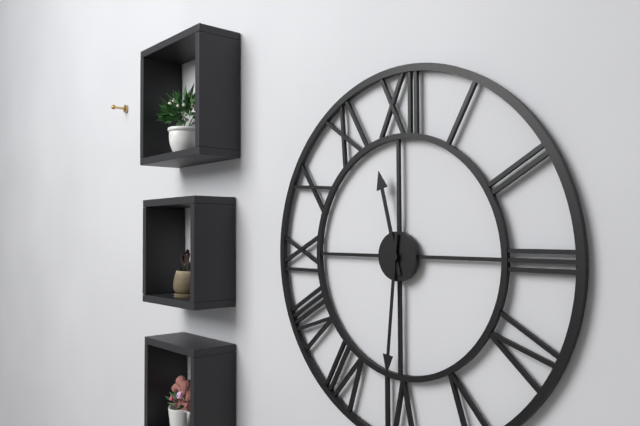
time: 11:31
